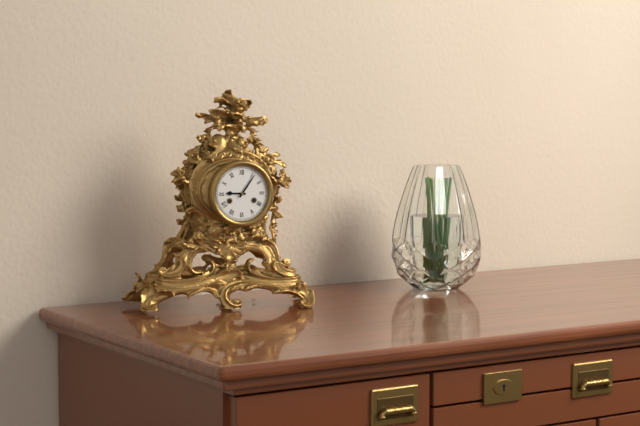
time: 9:06
